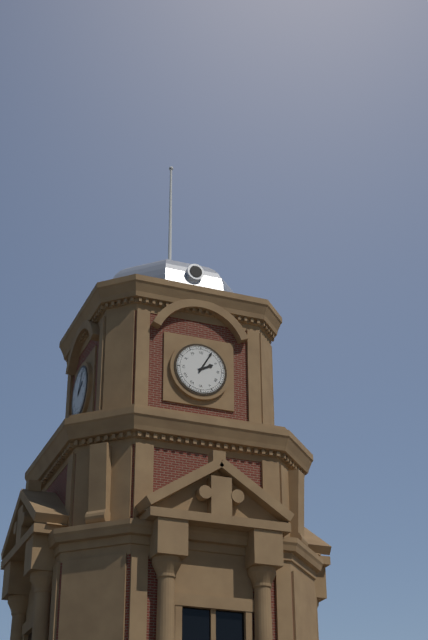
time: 2:05
